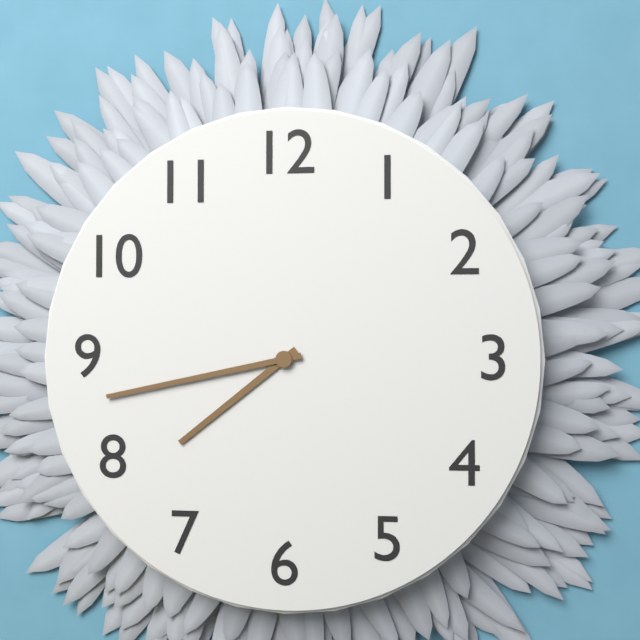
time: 7:43
